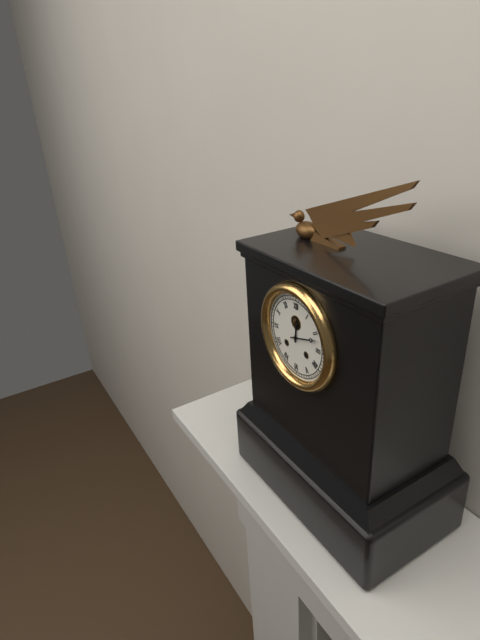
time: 12:12
